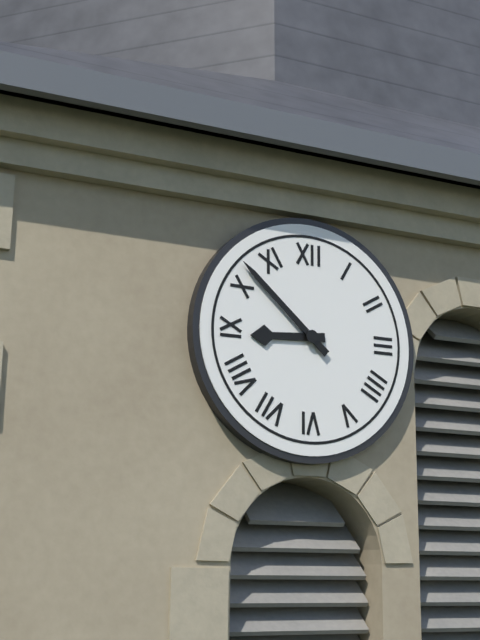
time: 8:52
